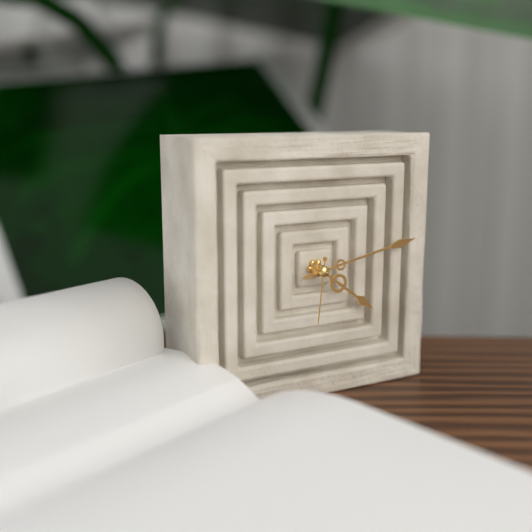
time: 4:13:31
